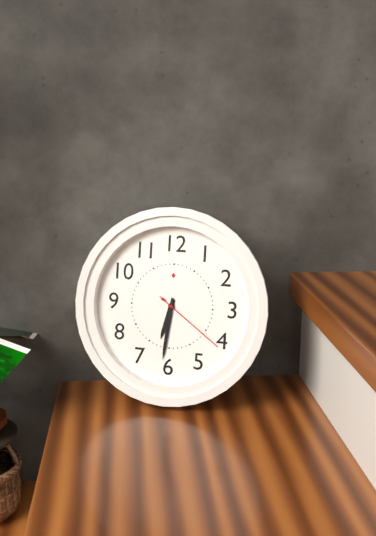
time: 6:31:21
